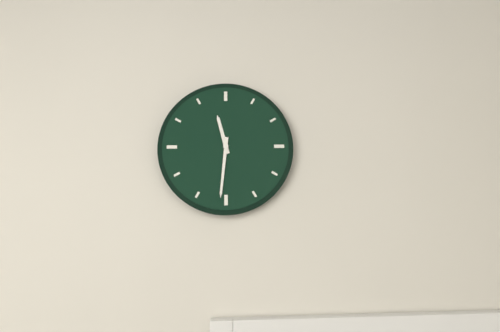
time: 11:31
